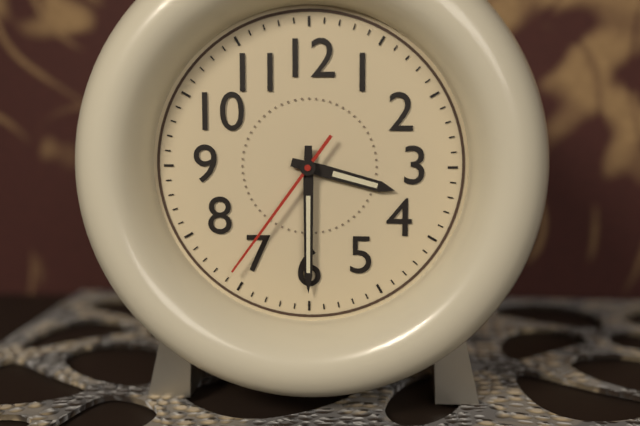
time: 3:30:36
